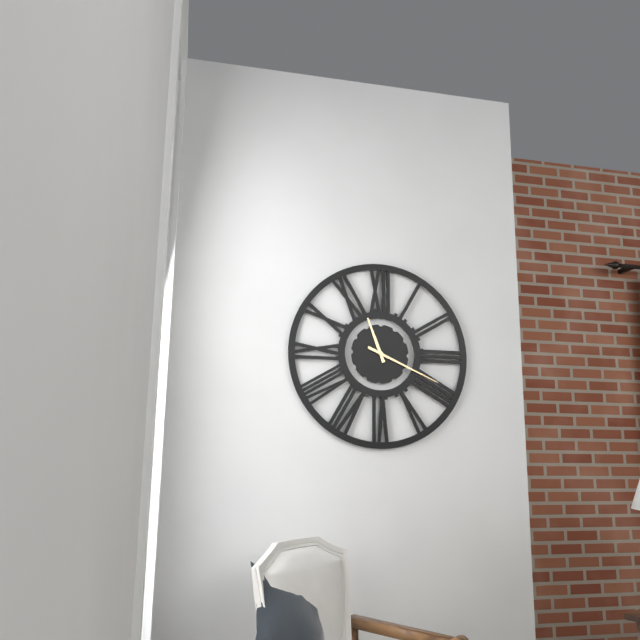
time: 11:19
